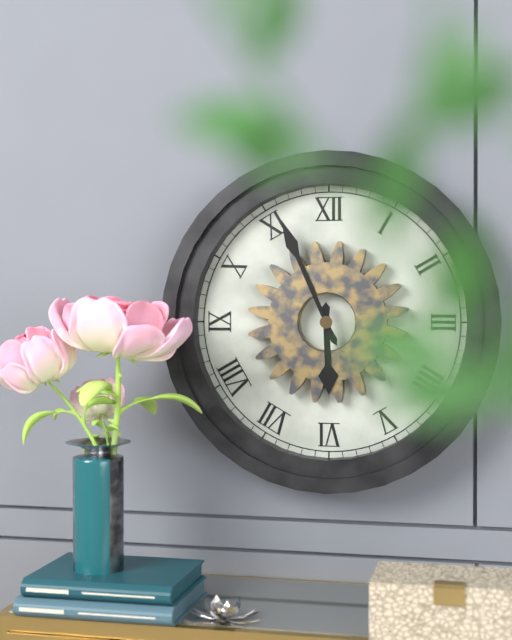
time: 5:56
